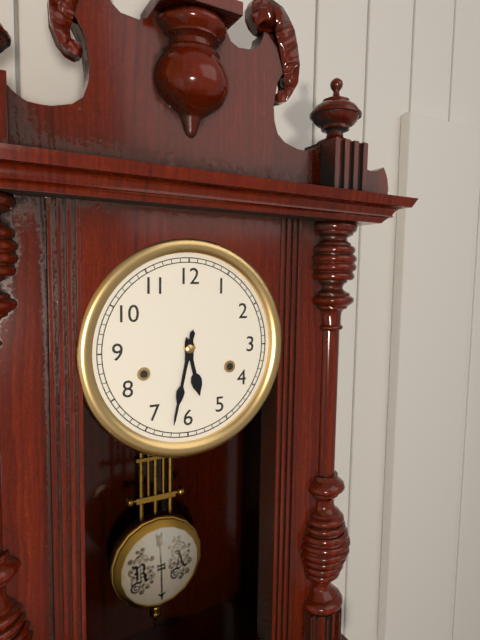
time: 5:32
